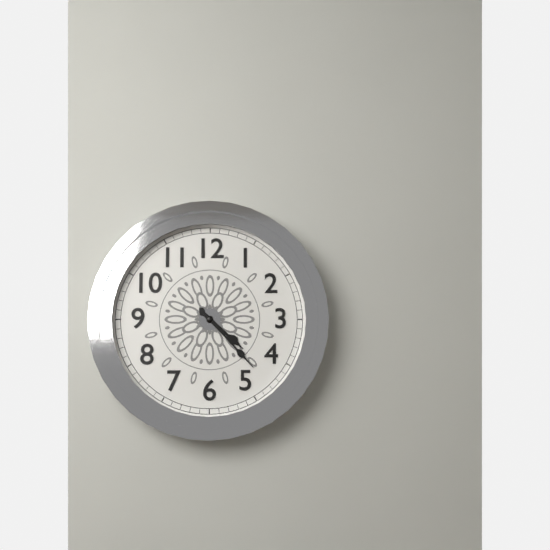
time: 4:23
